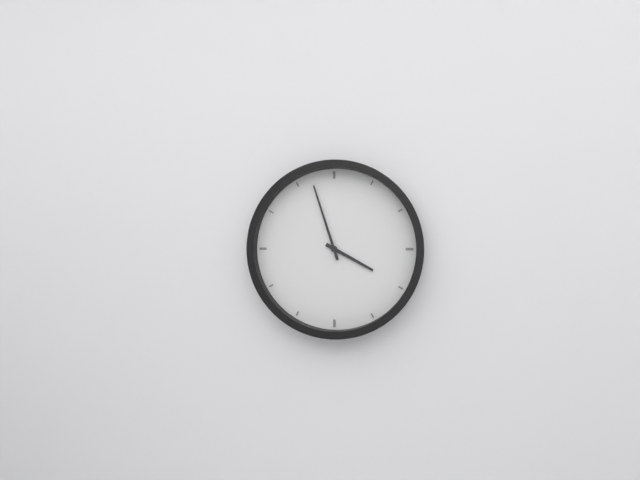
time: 3:57
